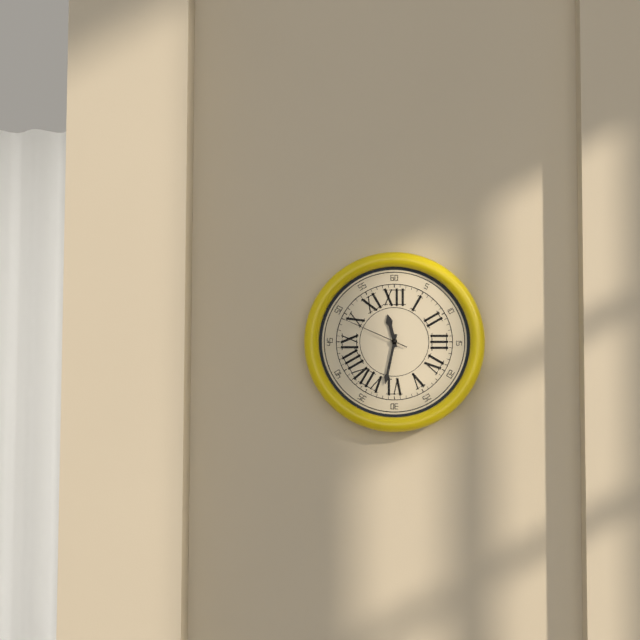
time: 11:32:49
